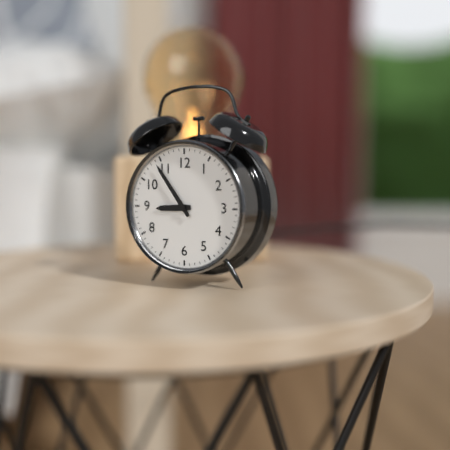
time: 8:54
